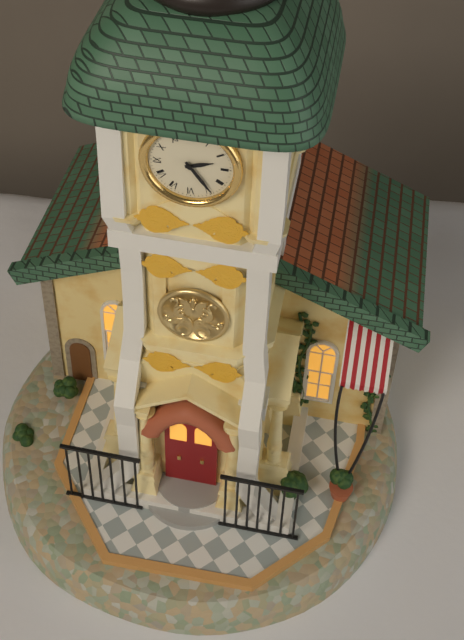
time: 2:24
